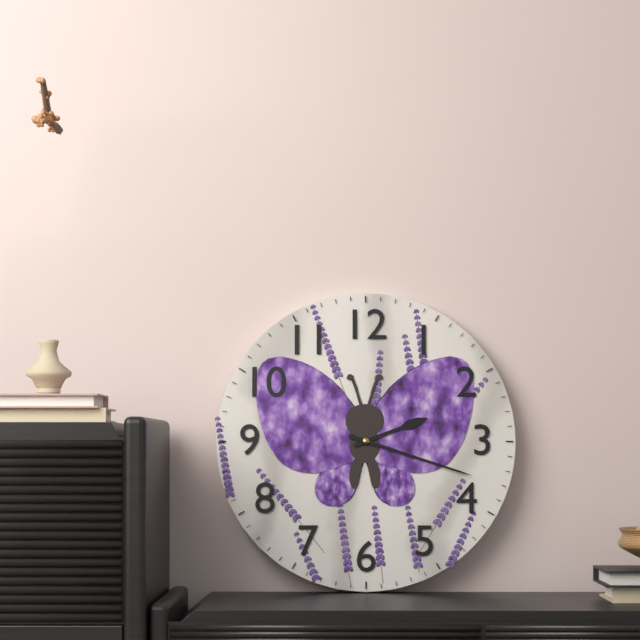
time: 2:18
